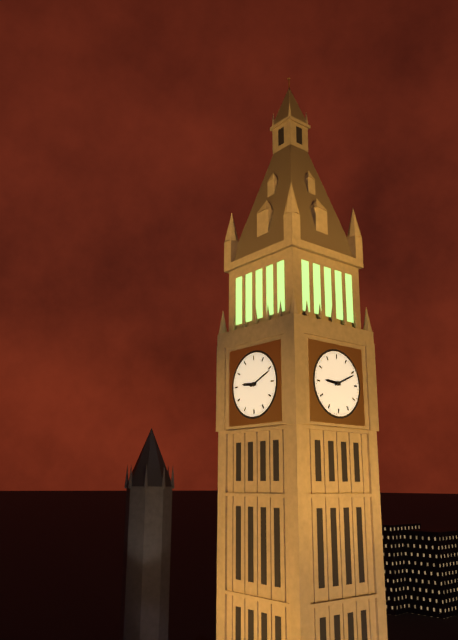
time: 9:11
